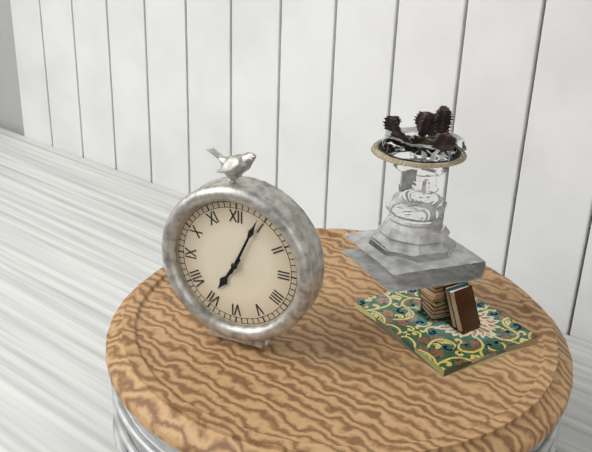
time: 7:04
